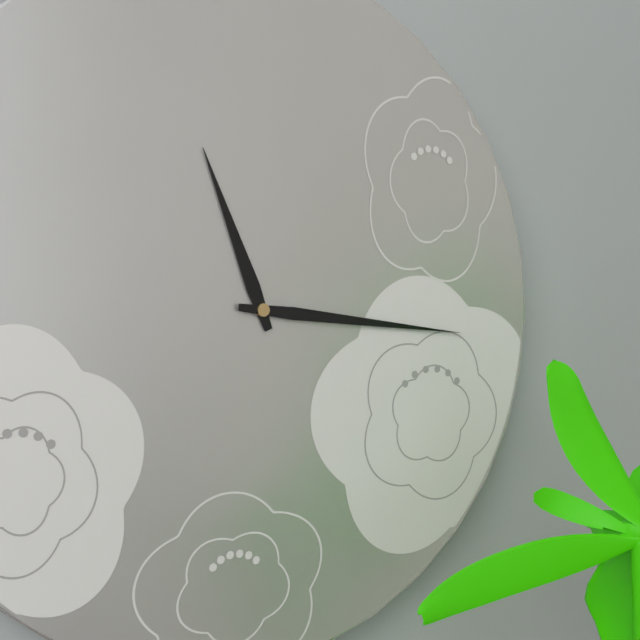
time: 11:16
